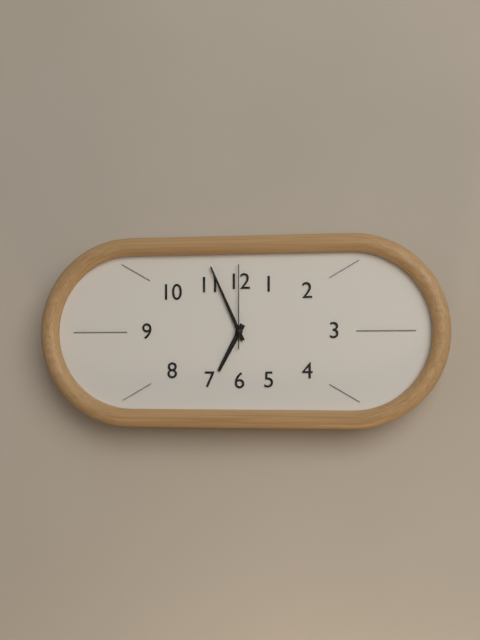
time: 6:56:00
